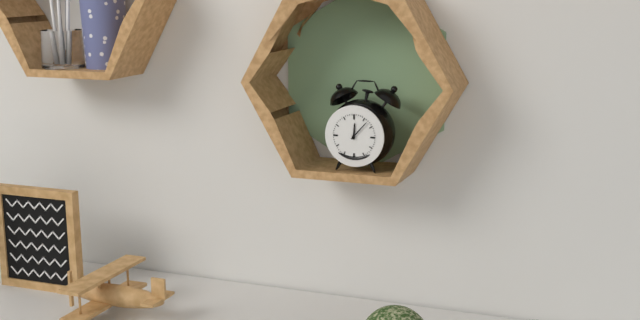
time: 12:07
